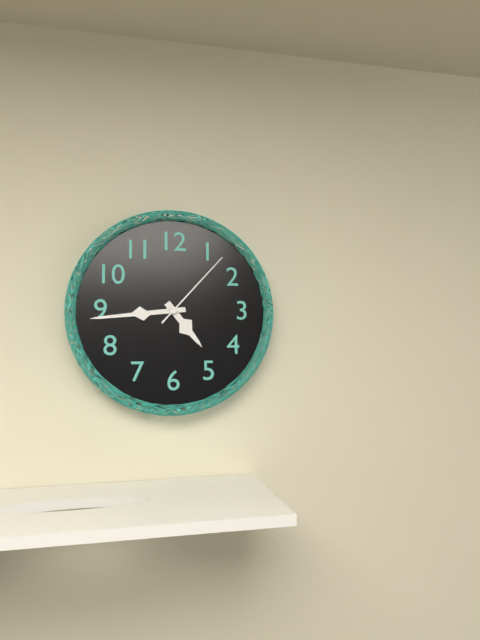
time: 4:44:07
